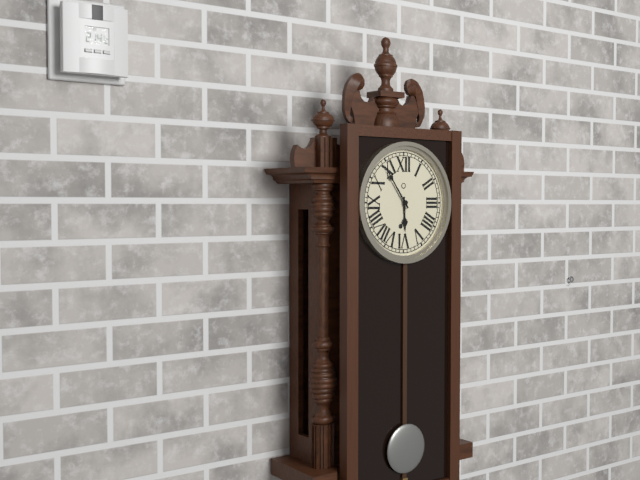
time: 5:54
